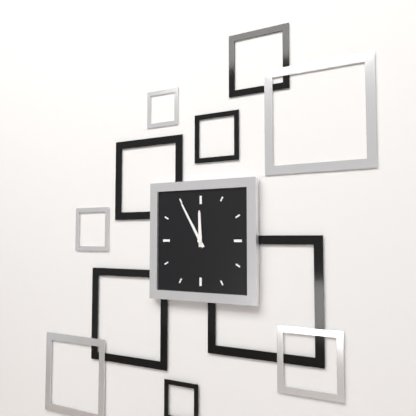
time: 11:55
